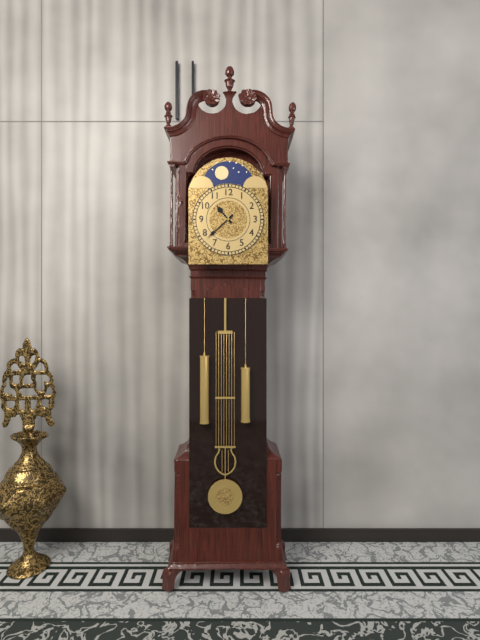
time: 10:38
